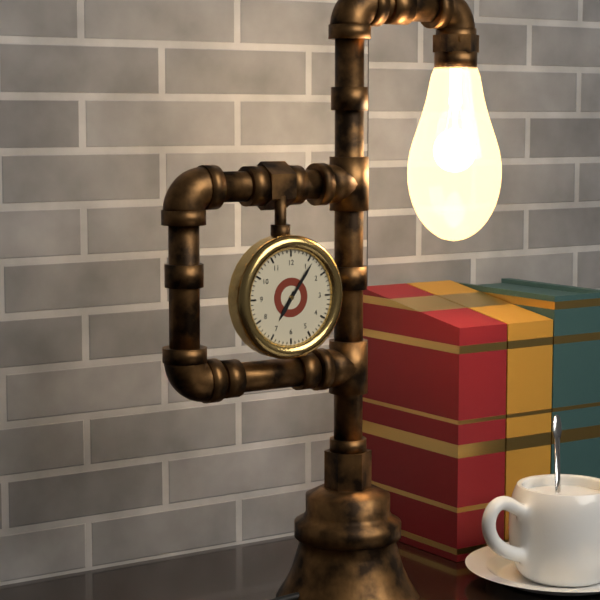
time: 7:06
